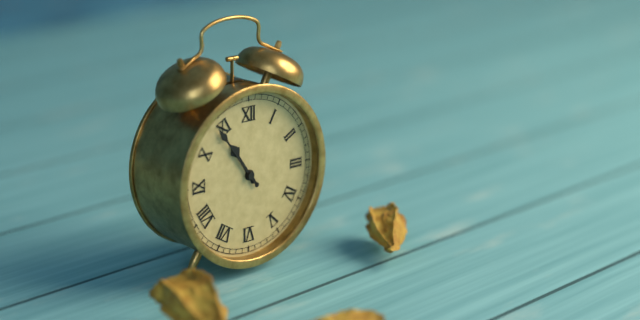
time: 10:54
